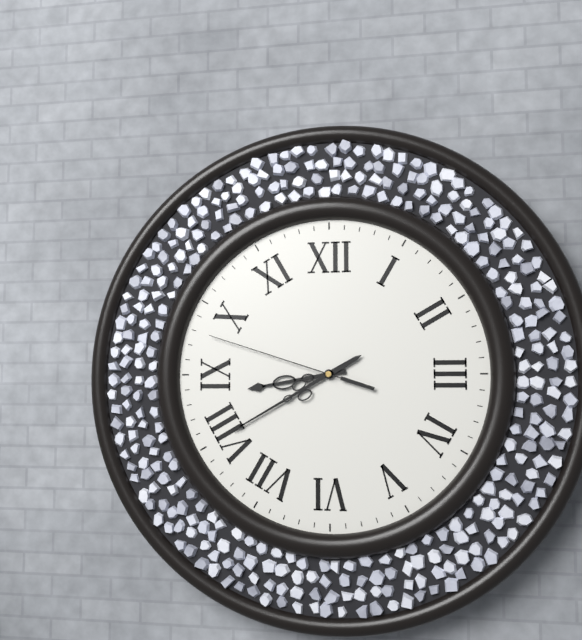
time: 8:40:48
